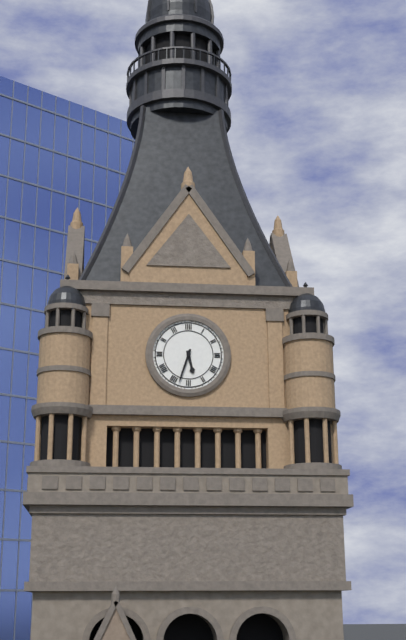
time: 5:33
